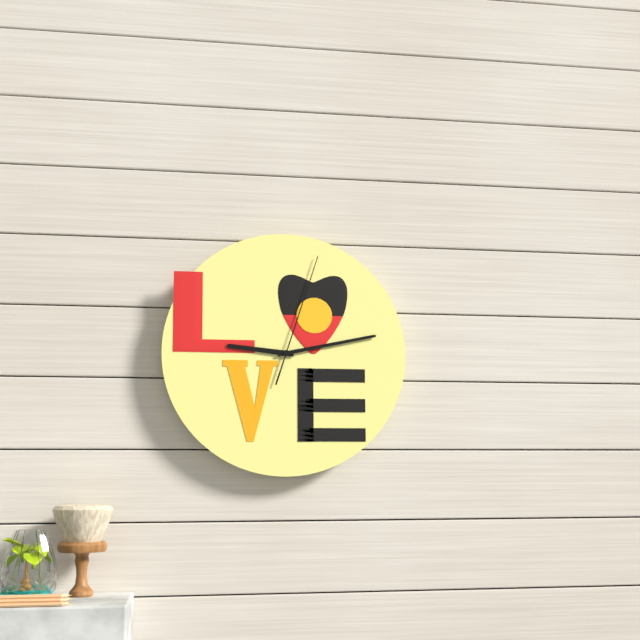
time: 9:13:03
